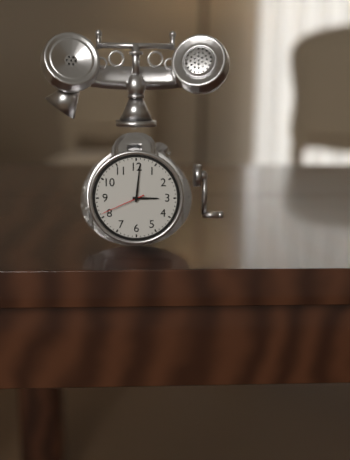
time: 3:01
